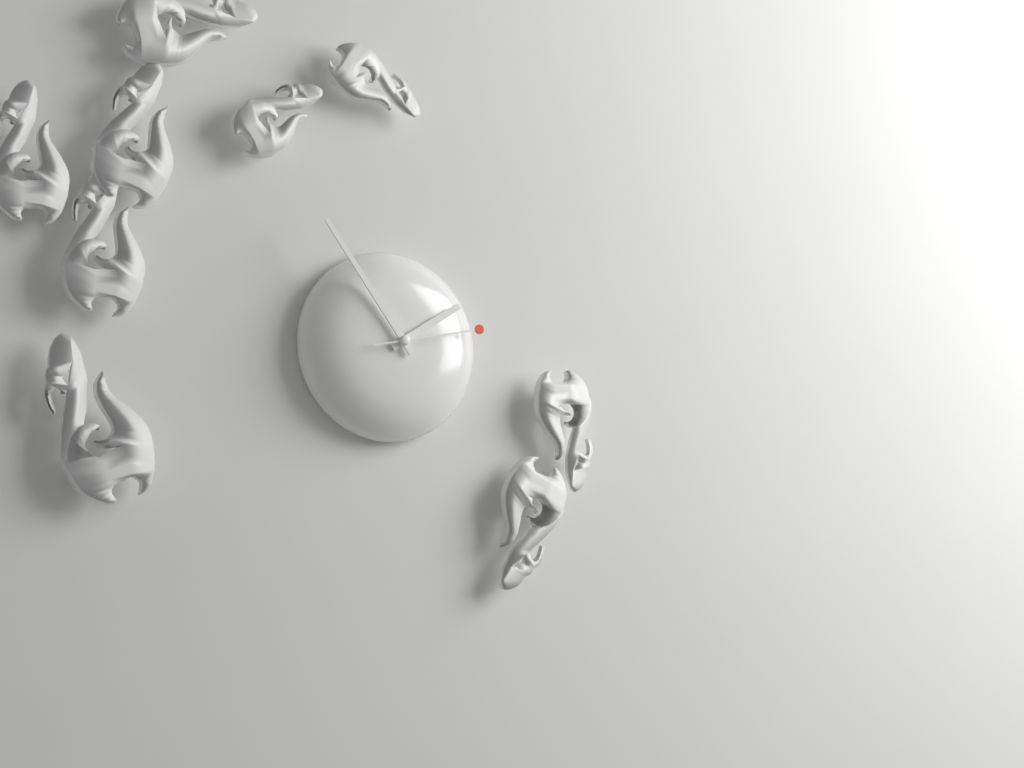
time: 1:54:13
